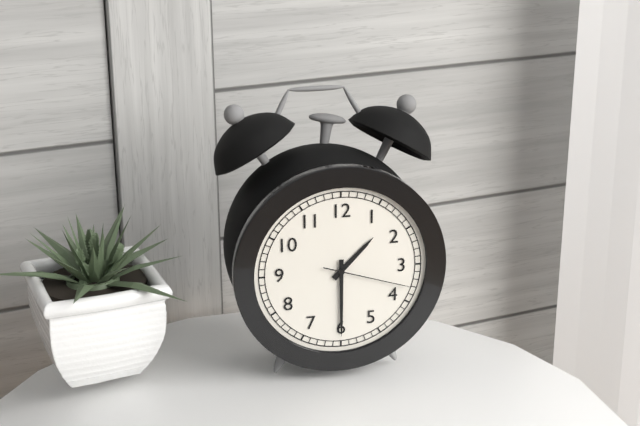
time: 1:30:18
